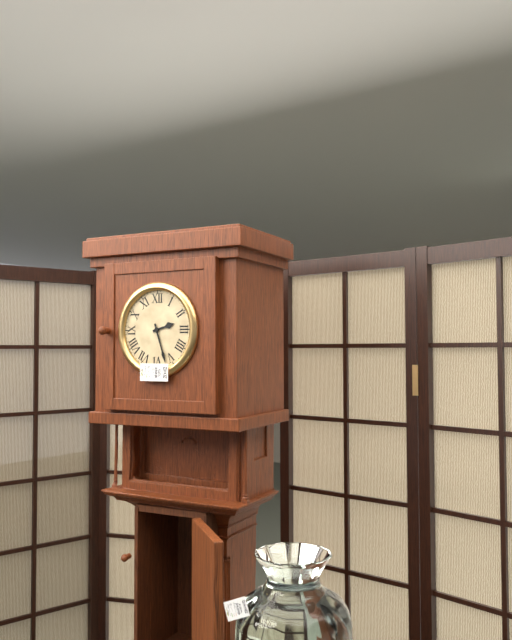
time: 2:27
